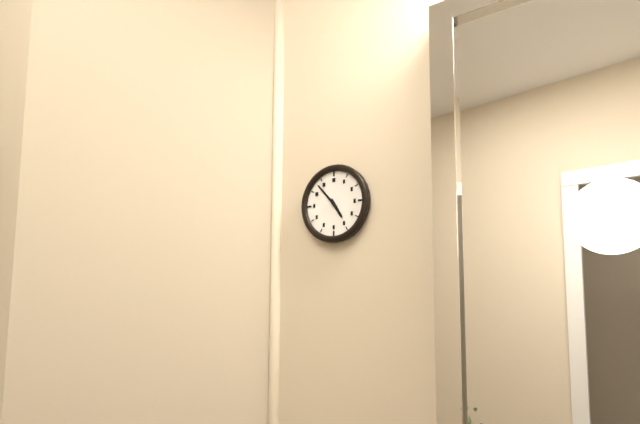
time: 4:53
